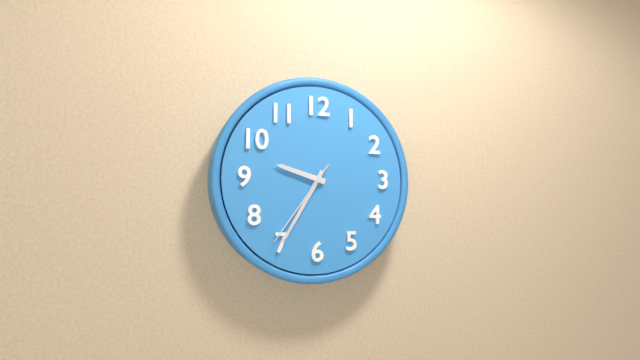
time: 9:35:36
